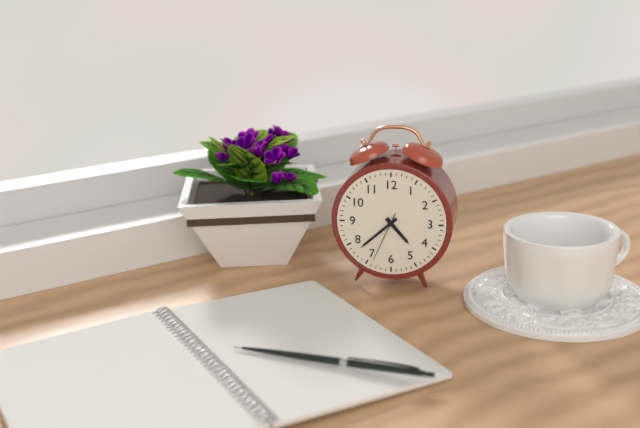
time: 4:38:34
